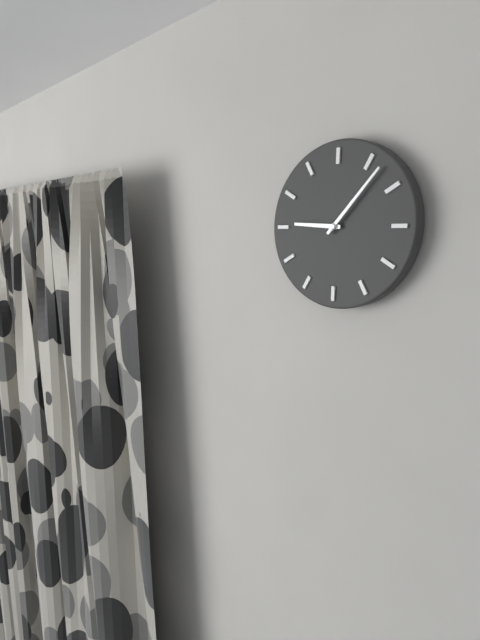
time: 9:07
